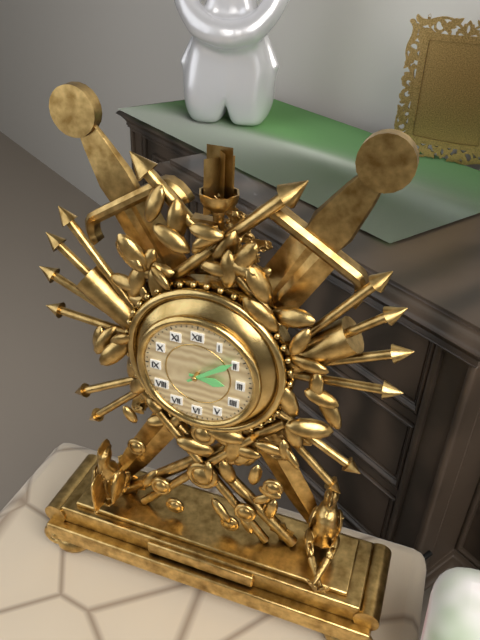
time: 3:09
